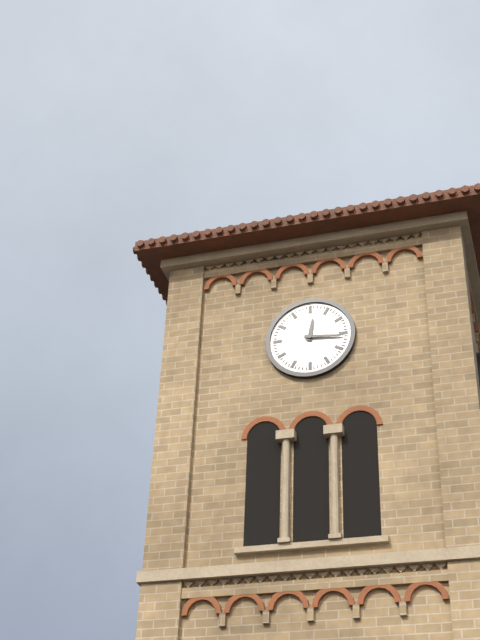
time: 12:16
